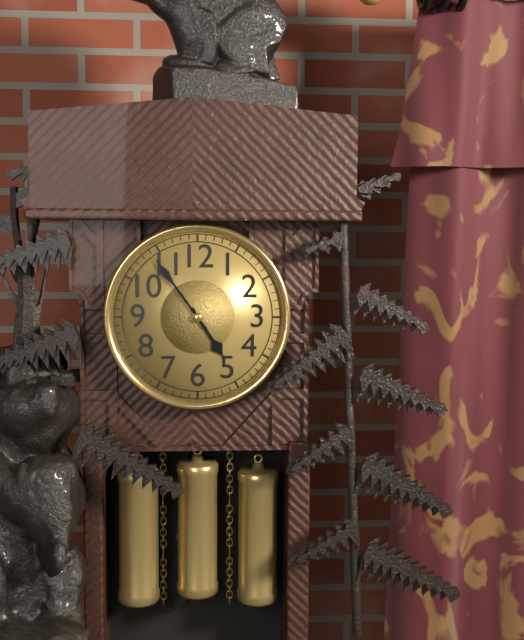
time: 4:54
